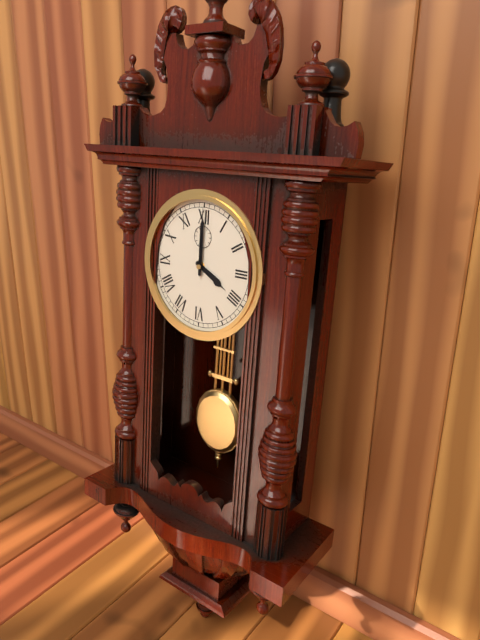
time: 4:00
